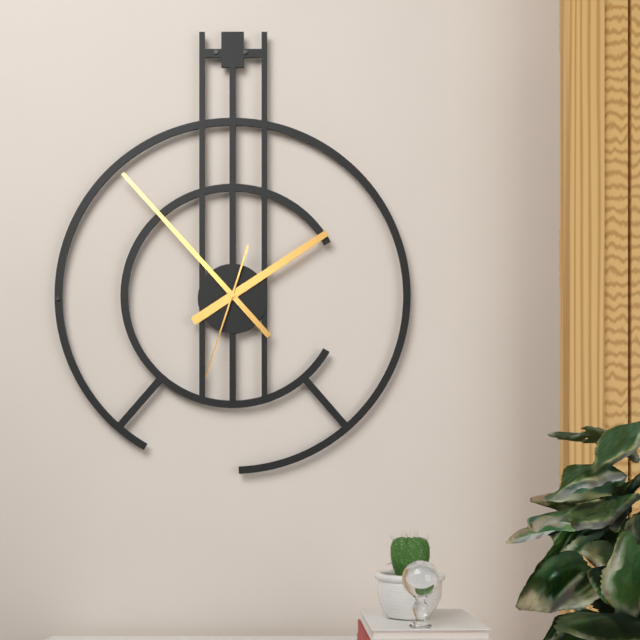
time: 1:53:33
